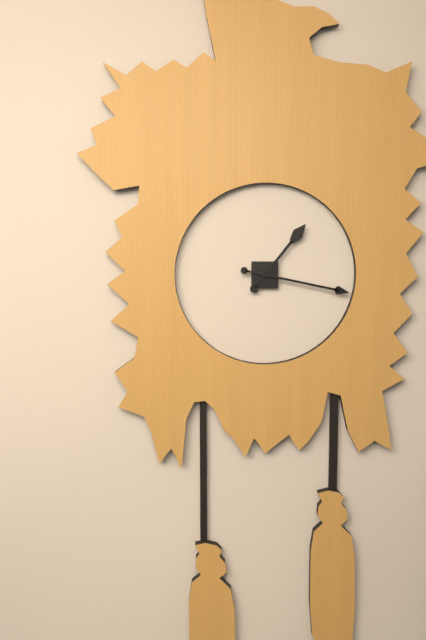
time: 1:17
